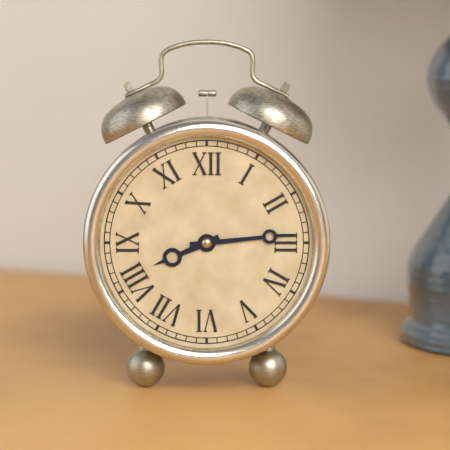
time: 8:14
